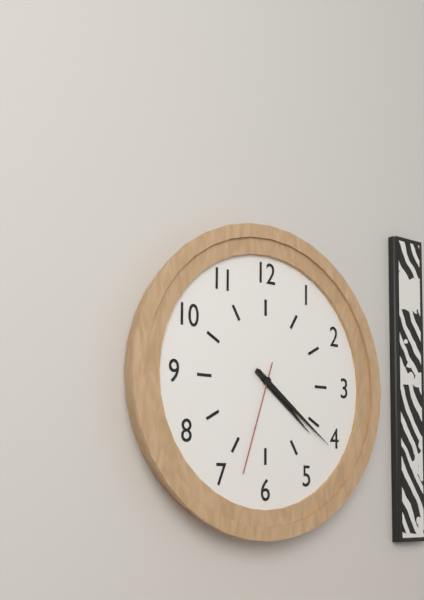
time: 4:21:33
